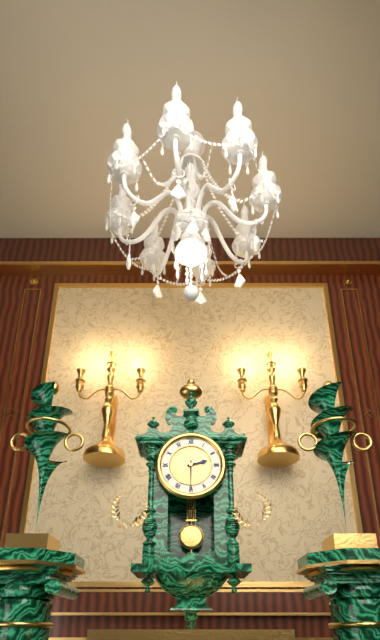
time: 2:30
